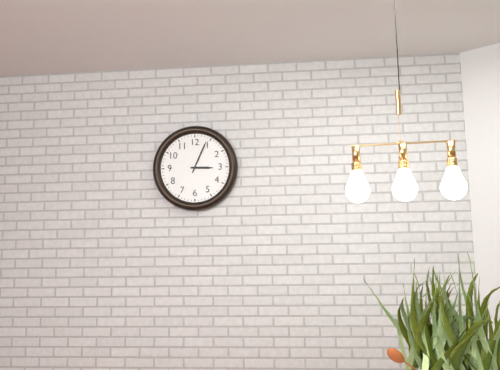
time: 3:04
